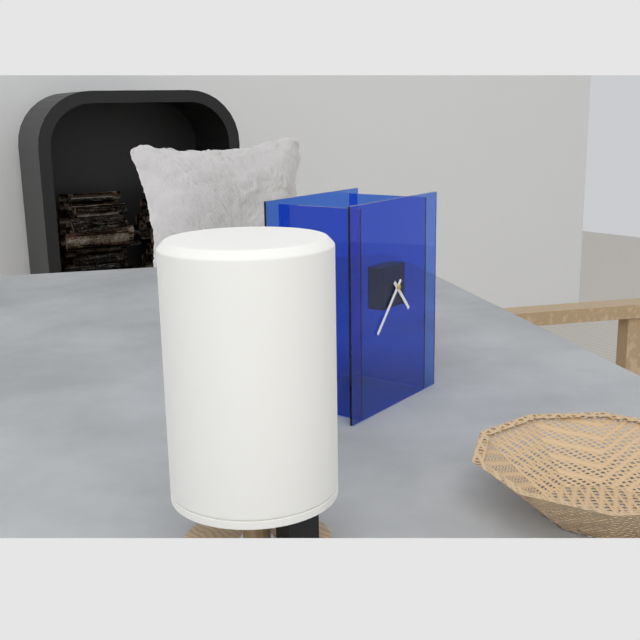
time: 4:37
